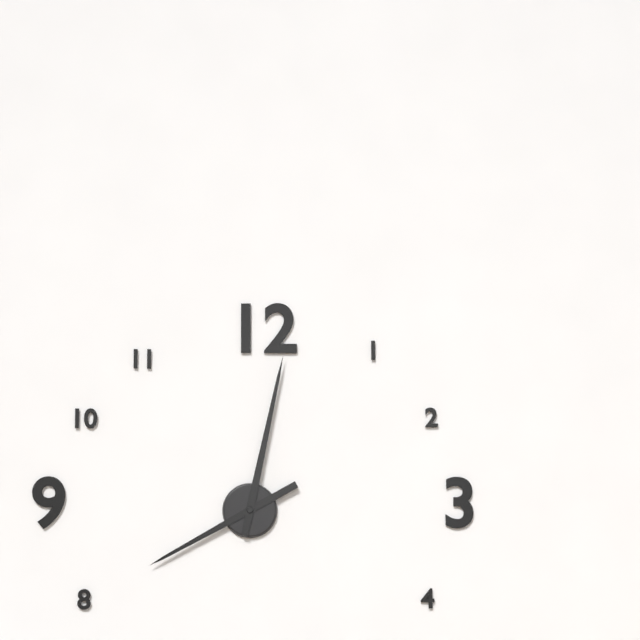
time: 8:02
